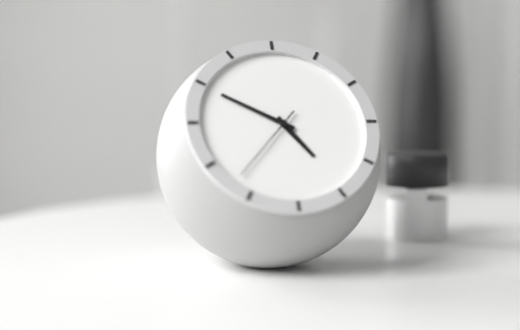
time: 4:50
